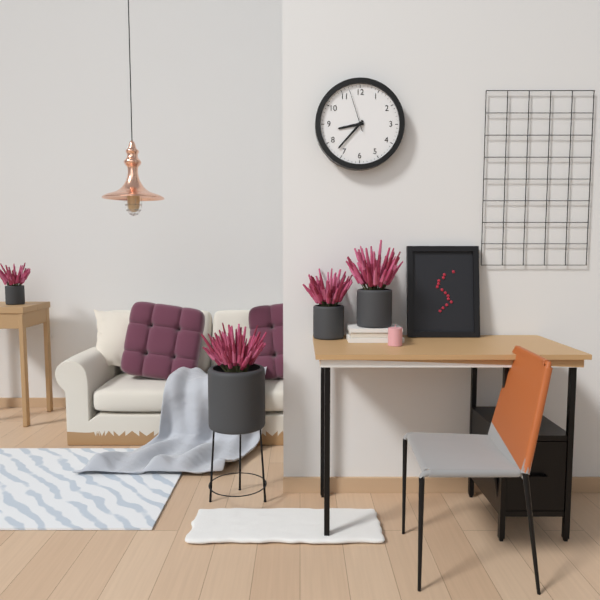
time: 8:37
